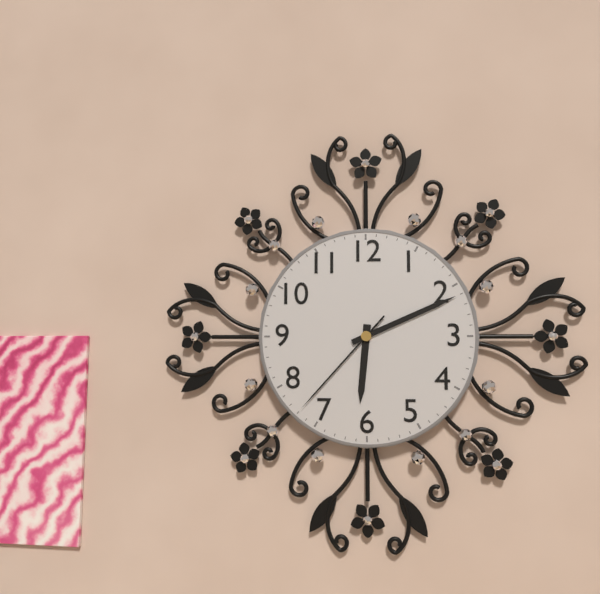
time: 6:11:37
